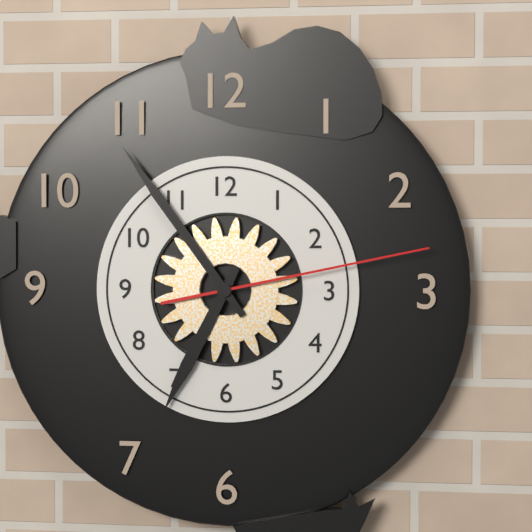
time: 6:54:13
